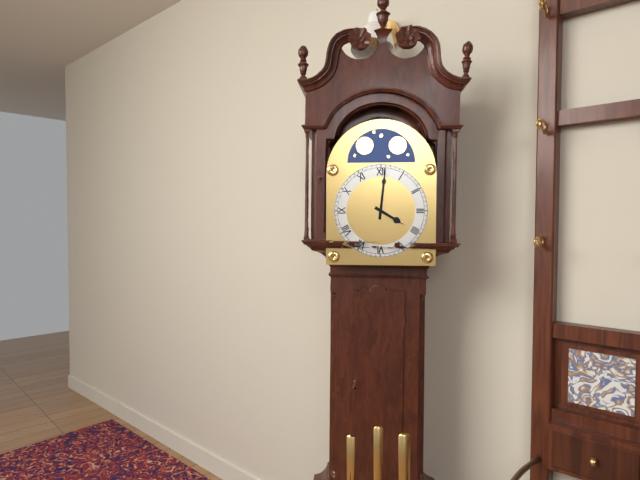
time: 4:01
